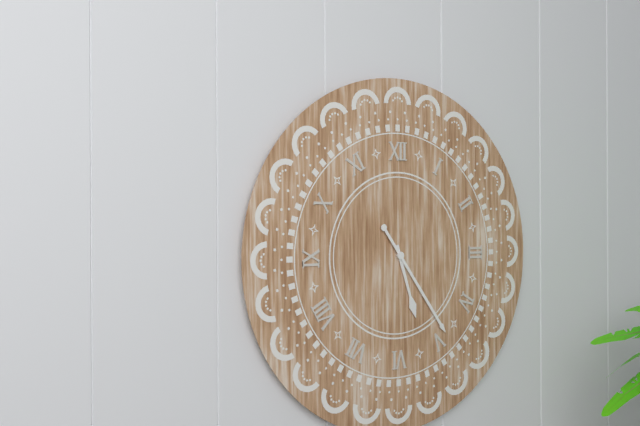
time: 5:24
